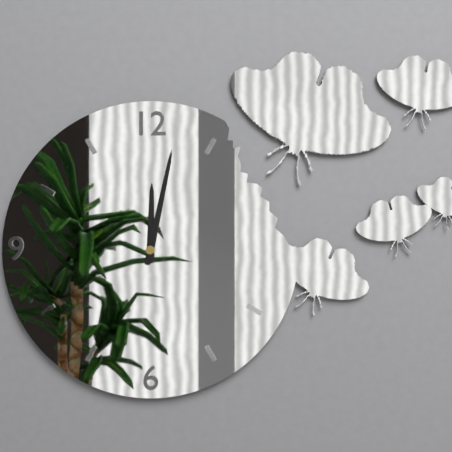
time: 12:02
